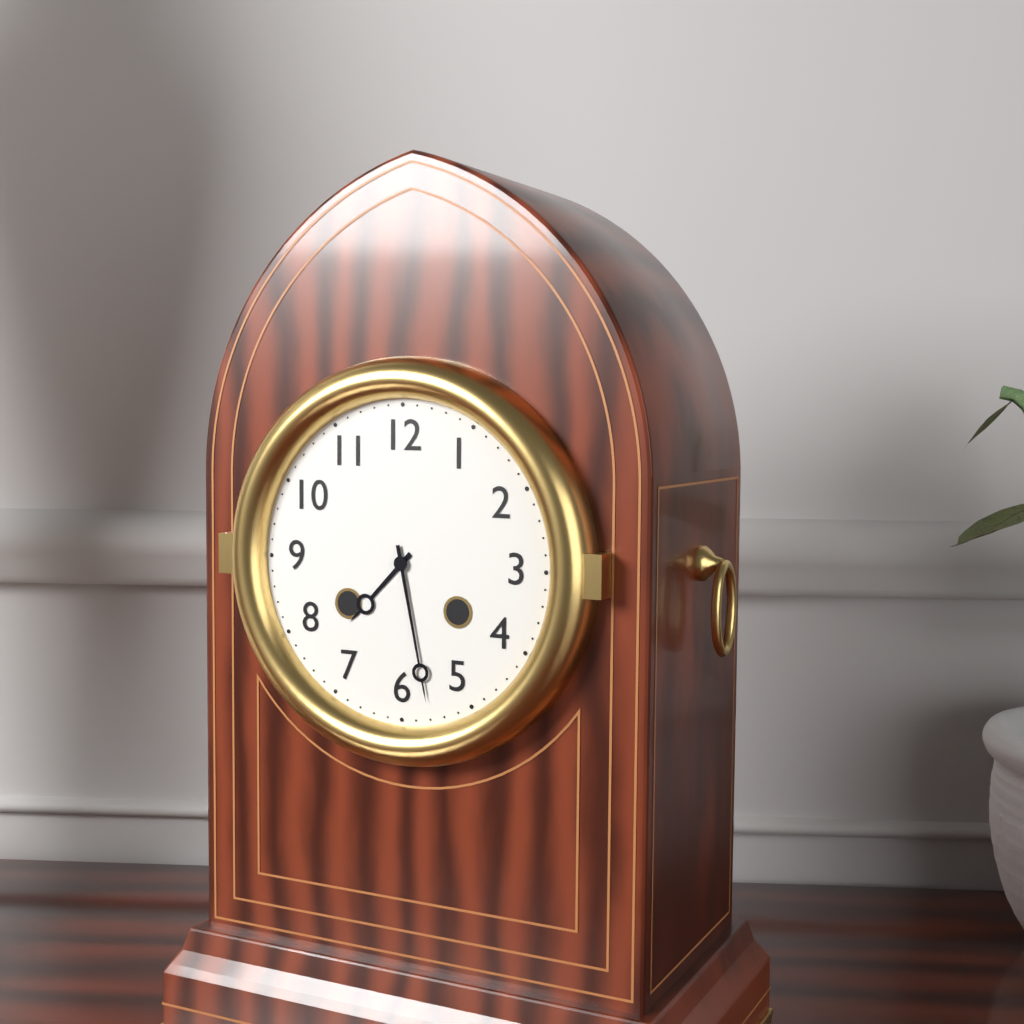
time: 7:28
